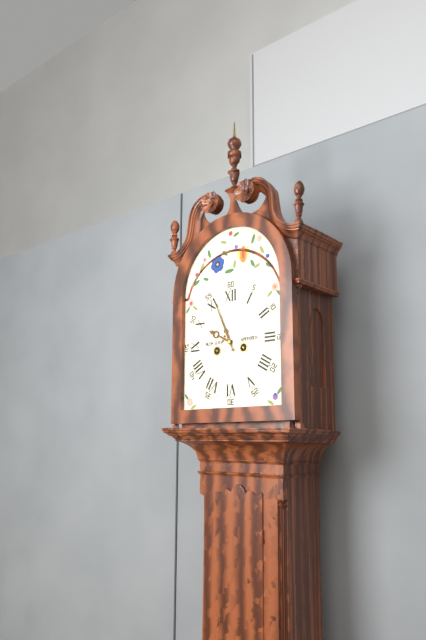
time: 9:56
